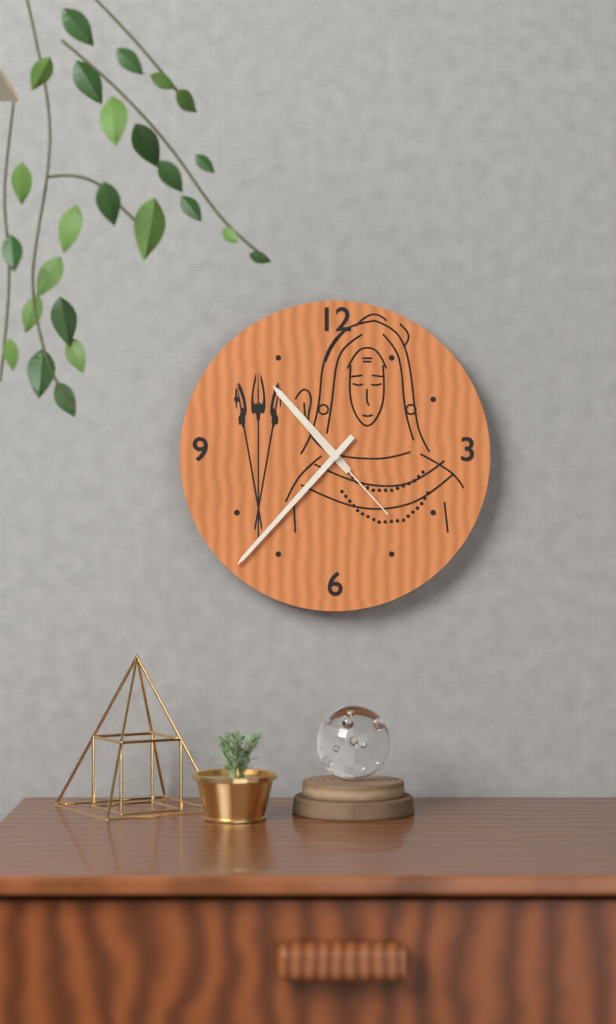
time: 10:37:23
